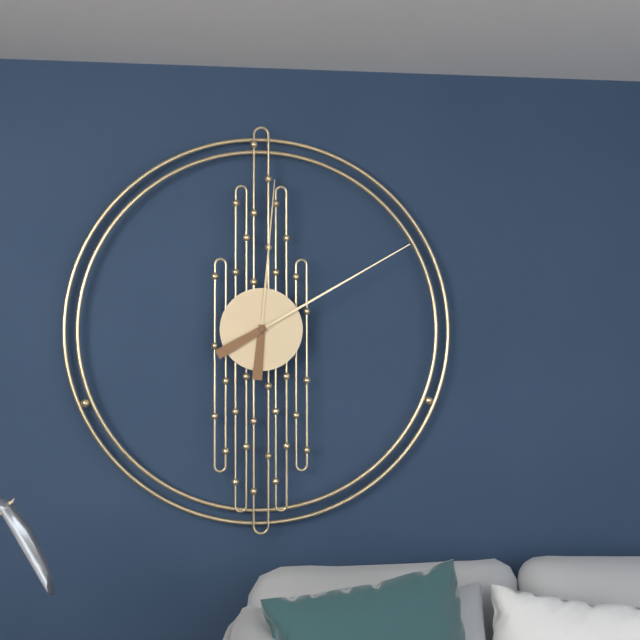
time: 12:10
